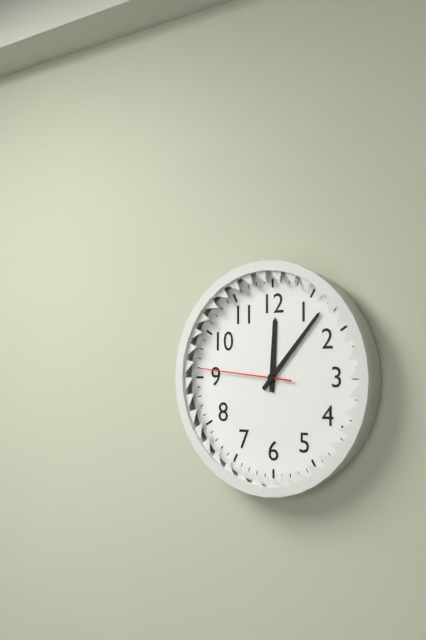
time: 12:07:46
